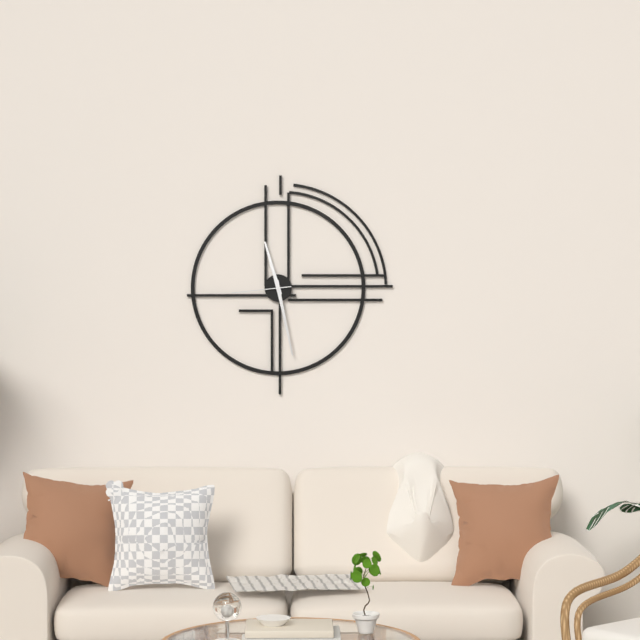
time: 11:28:44
